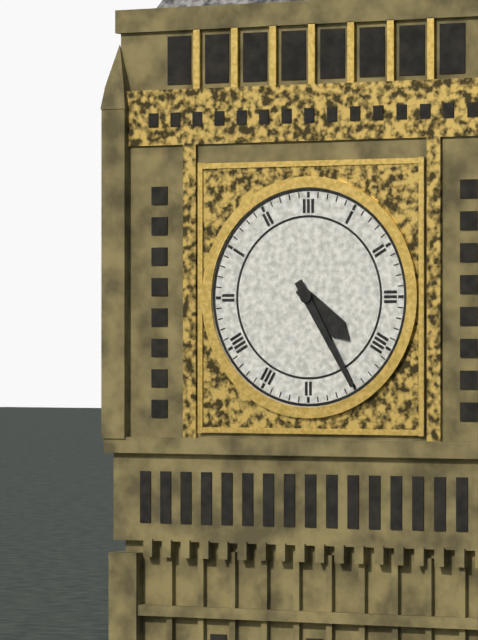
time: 4:25
